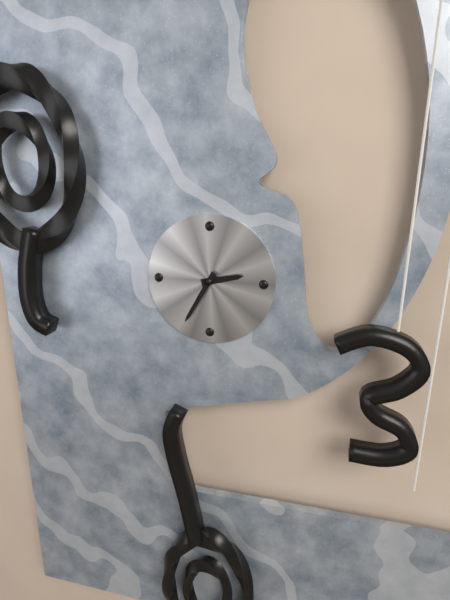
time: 2:35
